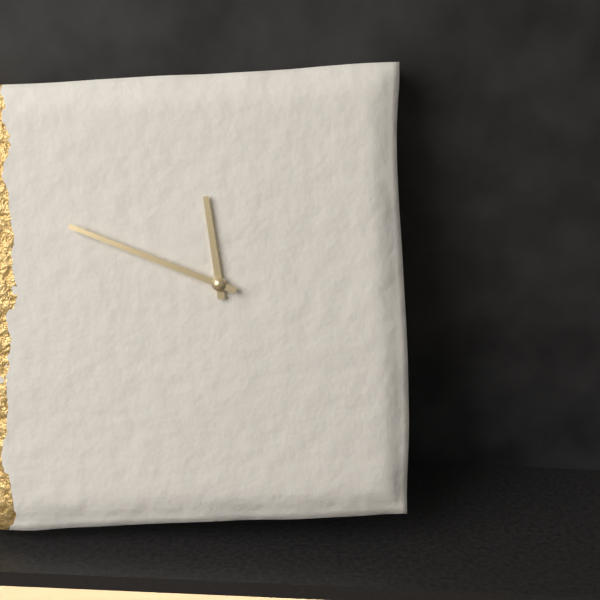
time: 11:49
